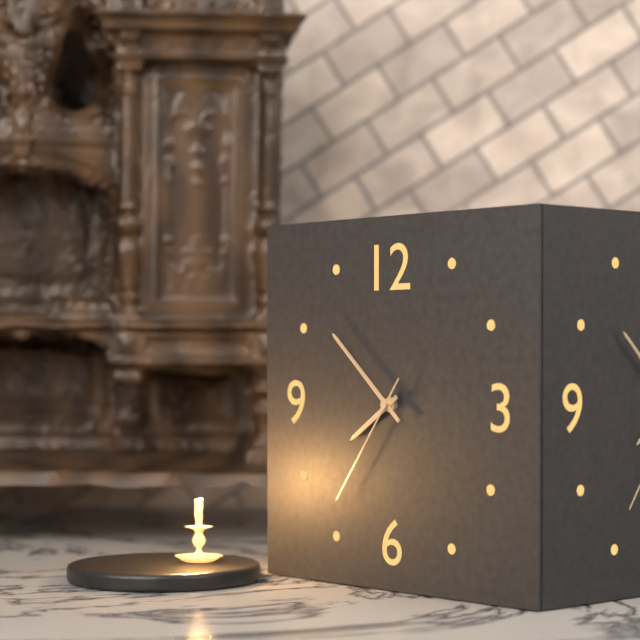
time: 7:52:36
